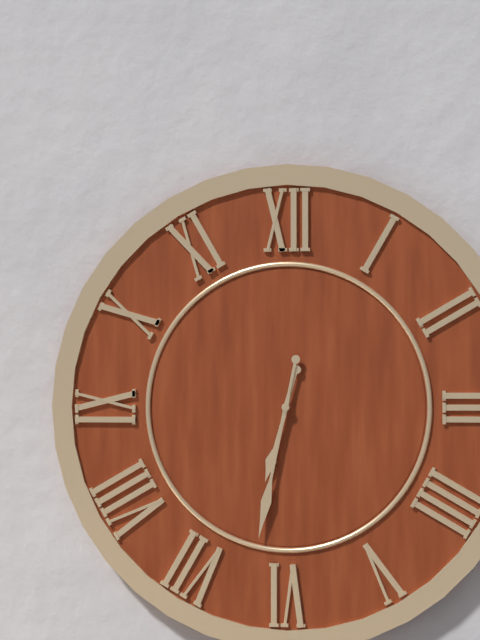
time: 6:32
